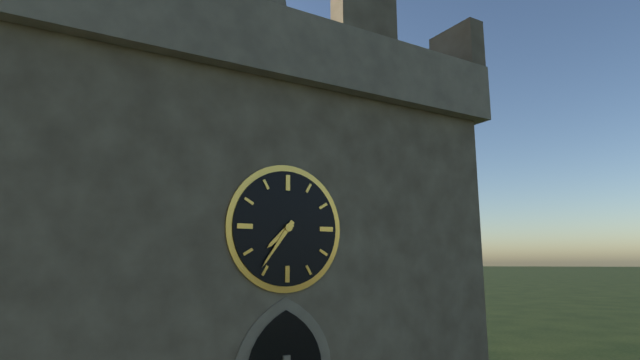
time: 7:36
